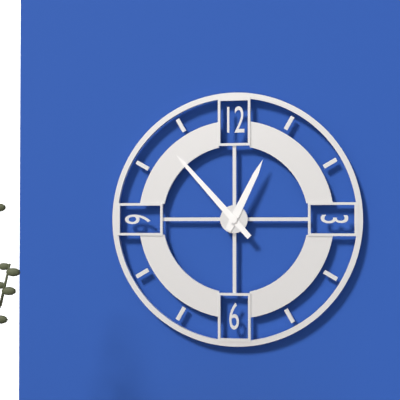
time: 12:53
